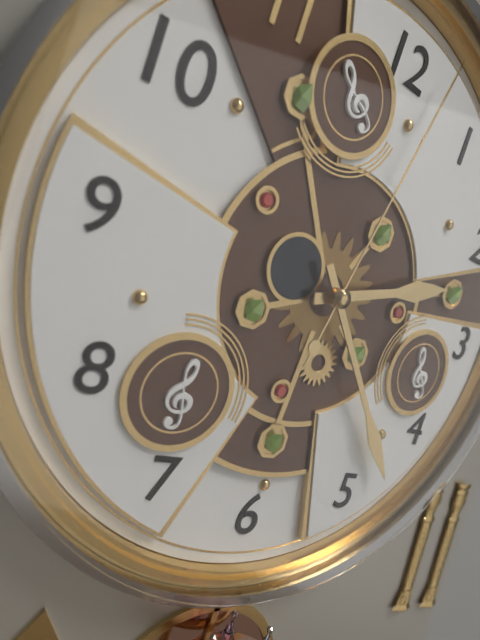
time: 2:23:02
